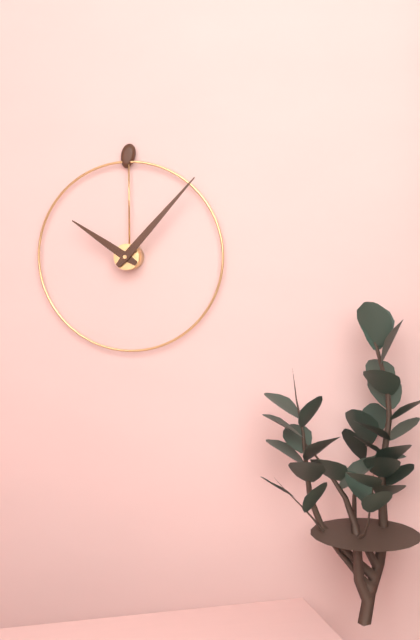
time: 10:07
